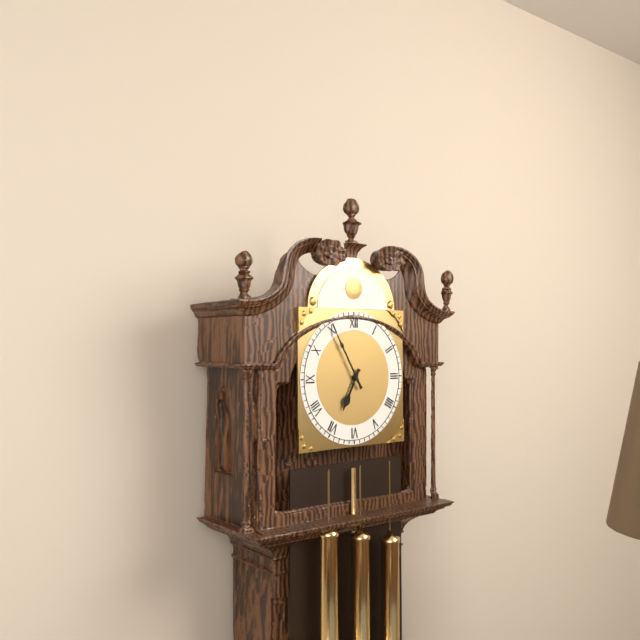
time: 6:55
